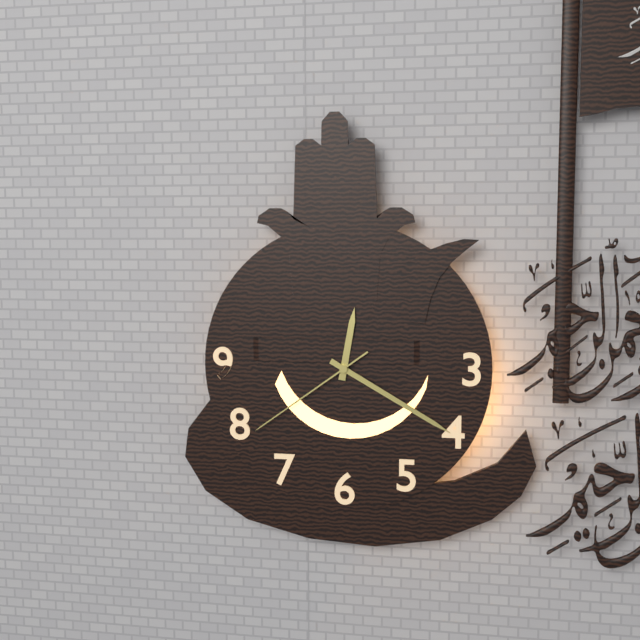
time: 12:20:39
